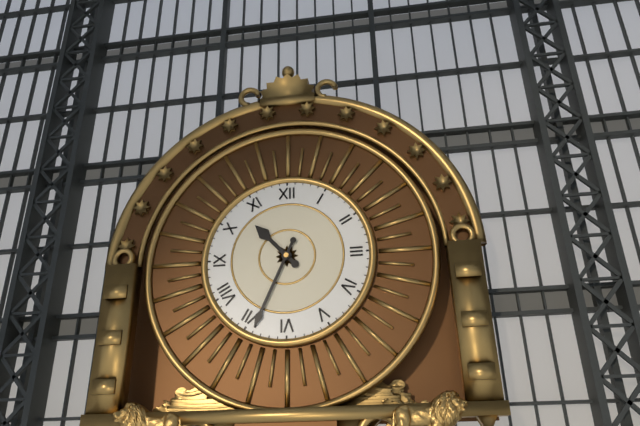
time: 10:34
